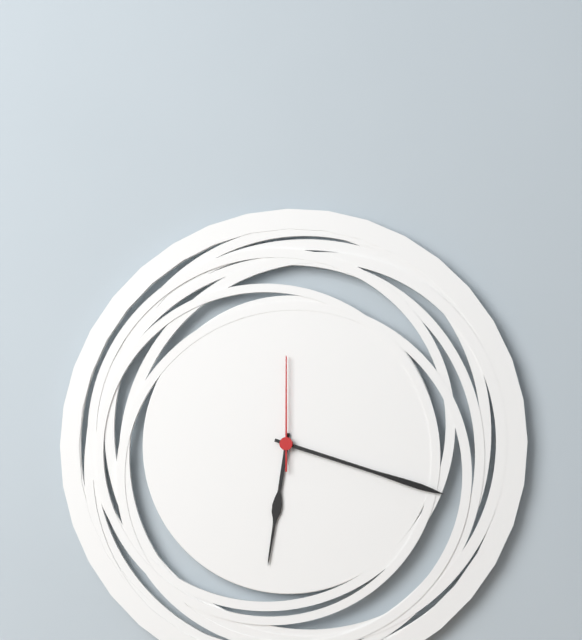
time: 6:18:00
